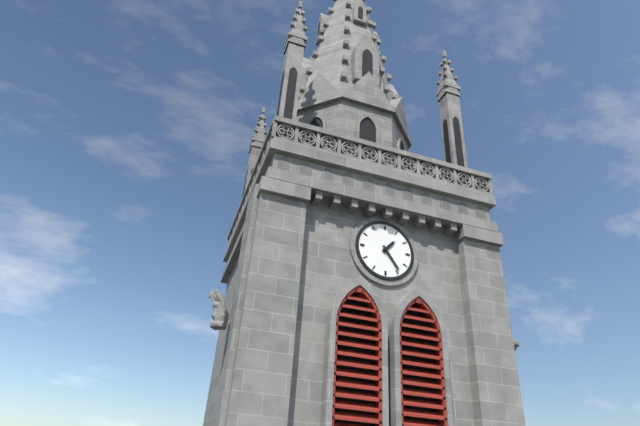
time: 1:24
